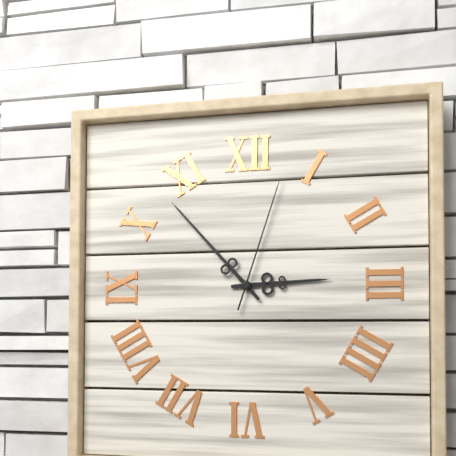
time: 2:53:03
